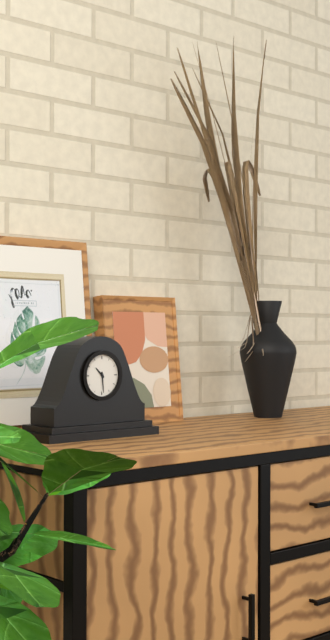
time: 10:29
